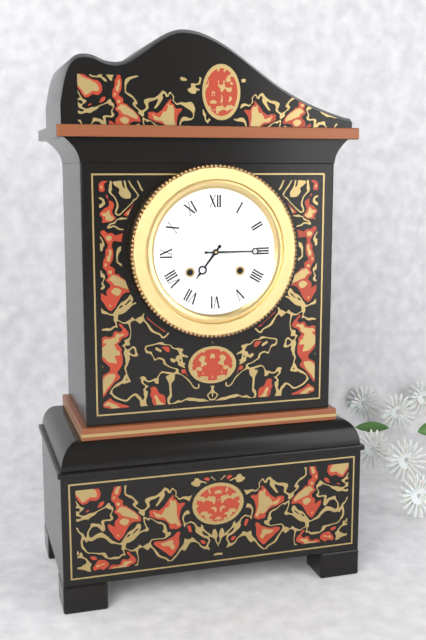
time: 7:15
